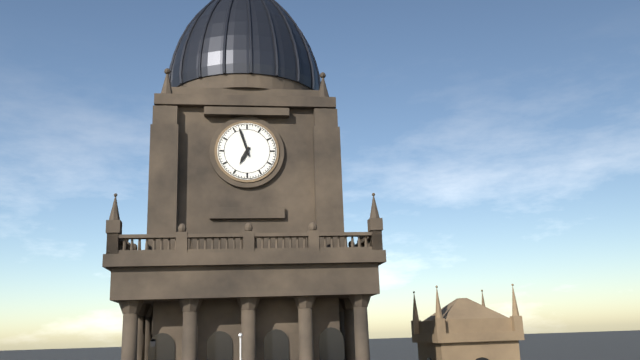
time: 6:57
